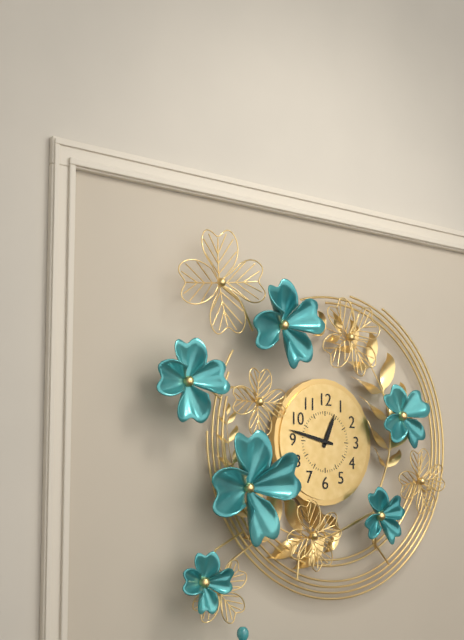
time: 12:47
